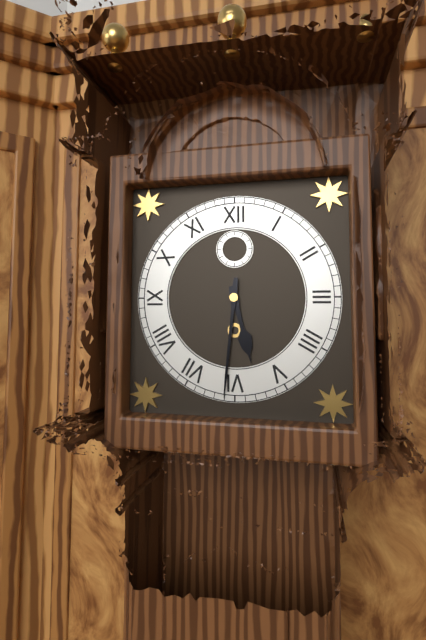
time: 5:31
